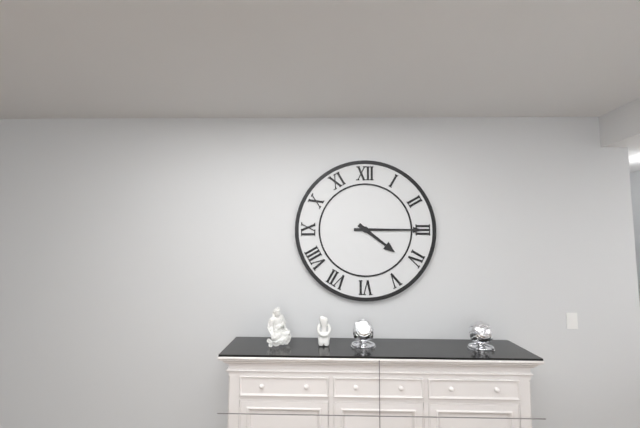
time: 4:15
